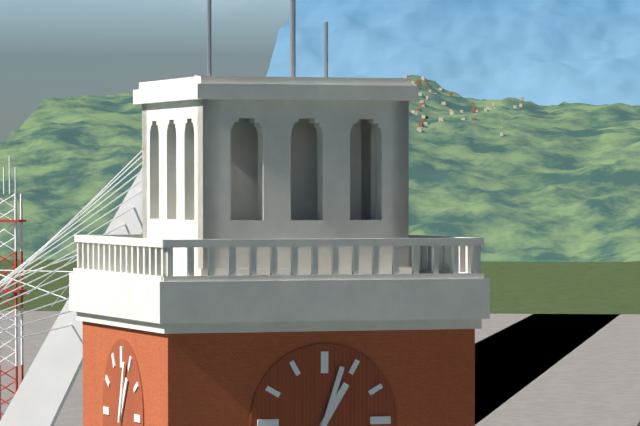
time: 1:03
